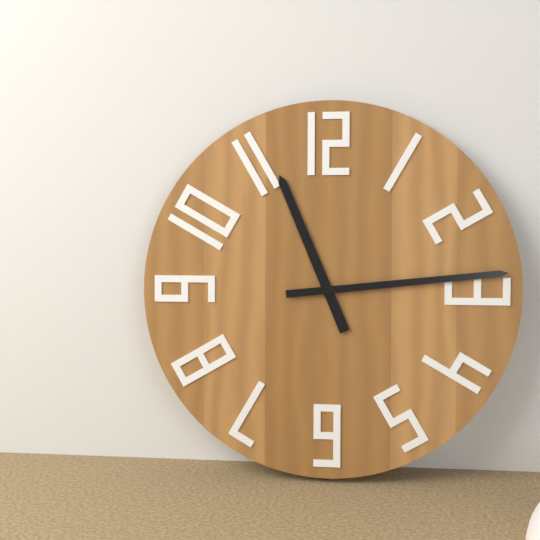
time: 11:14
